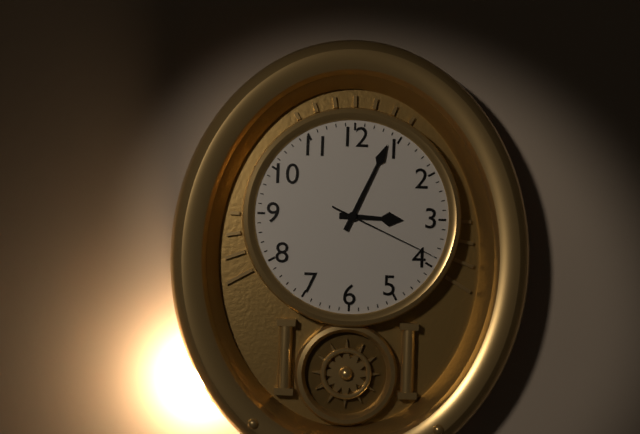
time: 3:04:19
